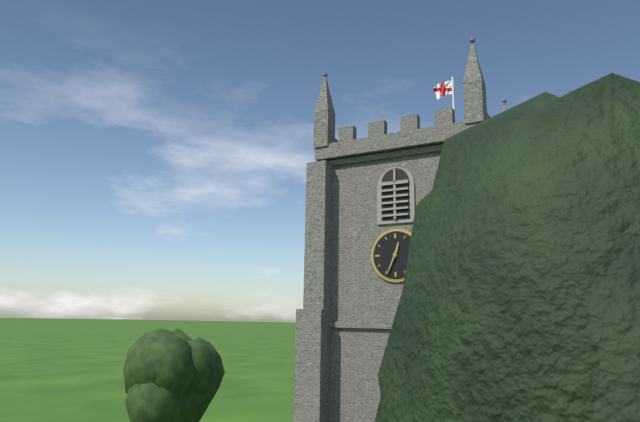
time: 12:34
